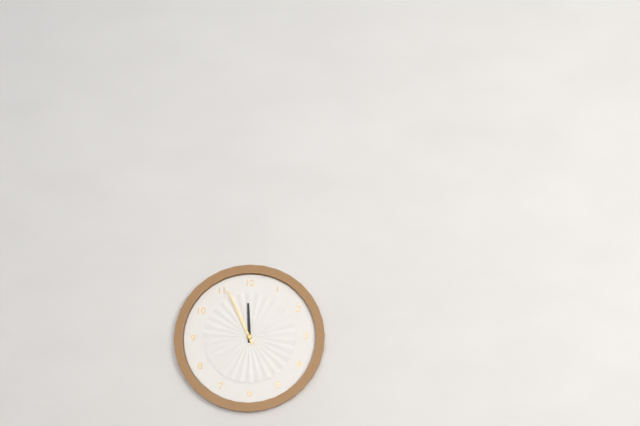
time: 11:56
